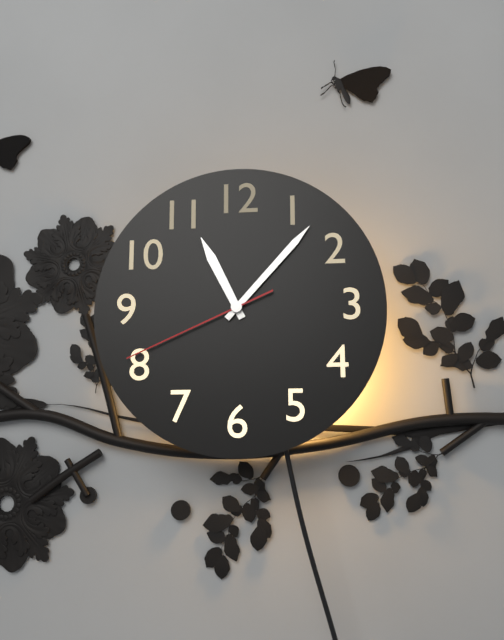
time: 11:07:41
